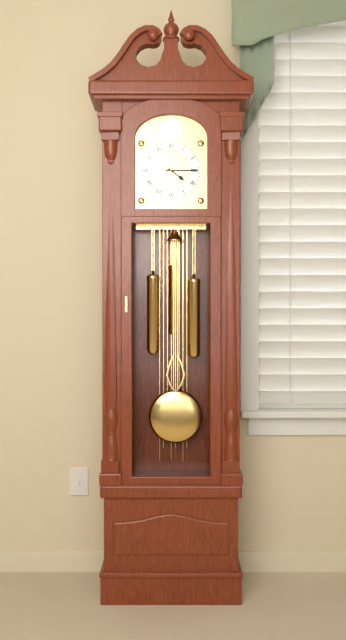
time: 4:15
